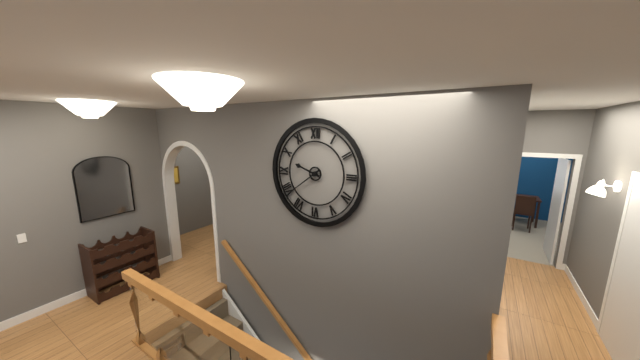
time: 9:39
